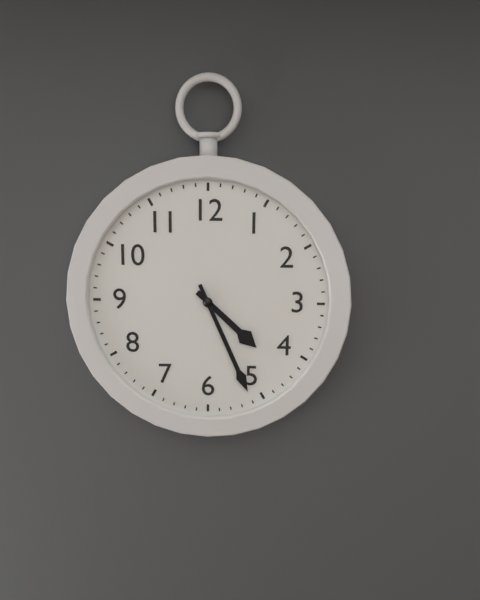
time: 4:26
